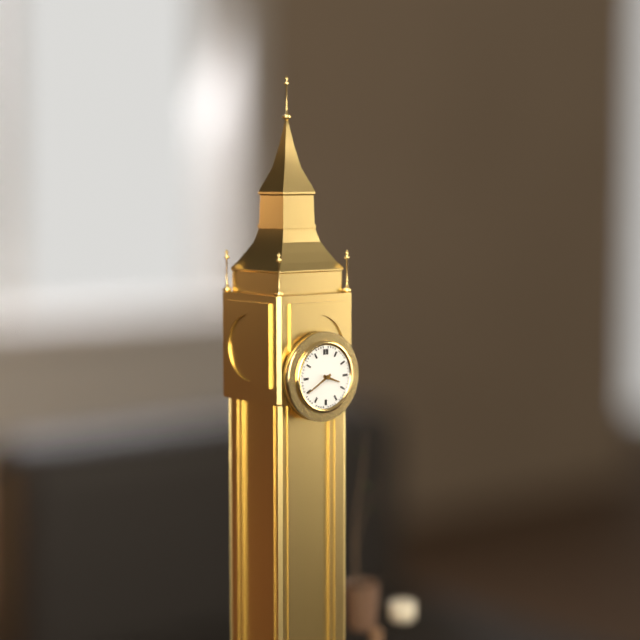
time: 3:40
